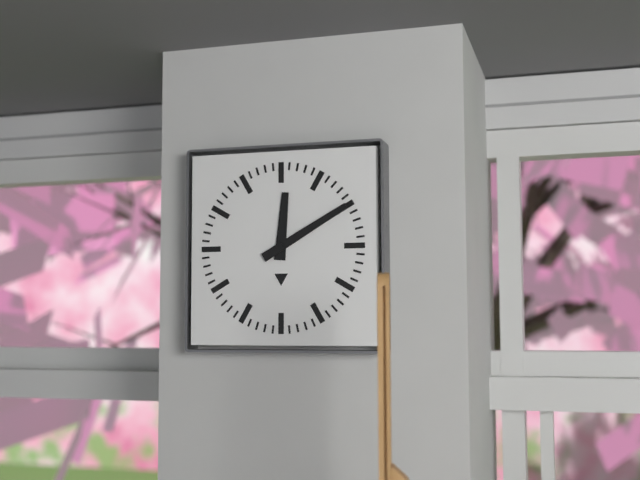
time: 12:10
